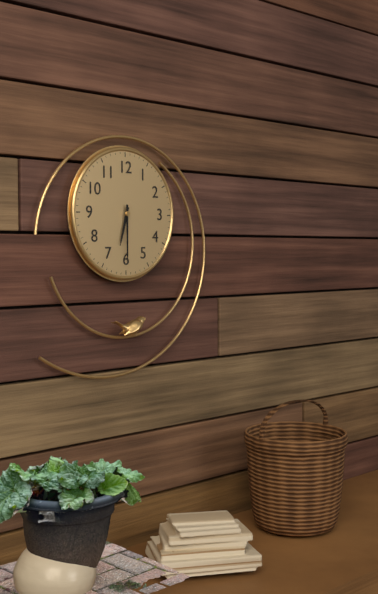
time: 6:30
